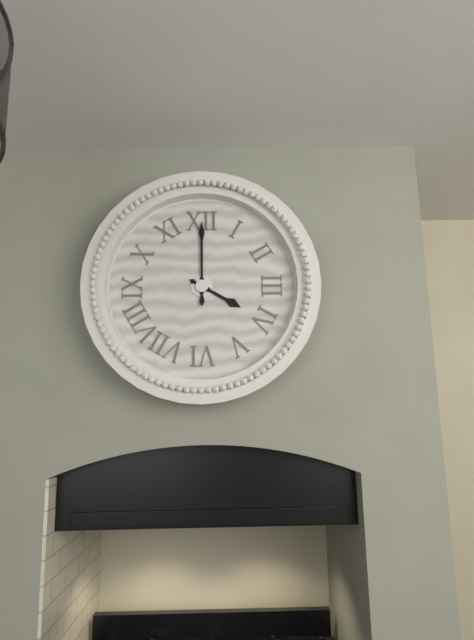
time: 4:00
